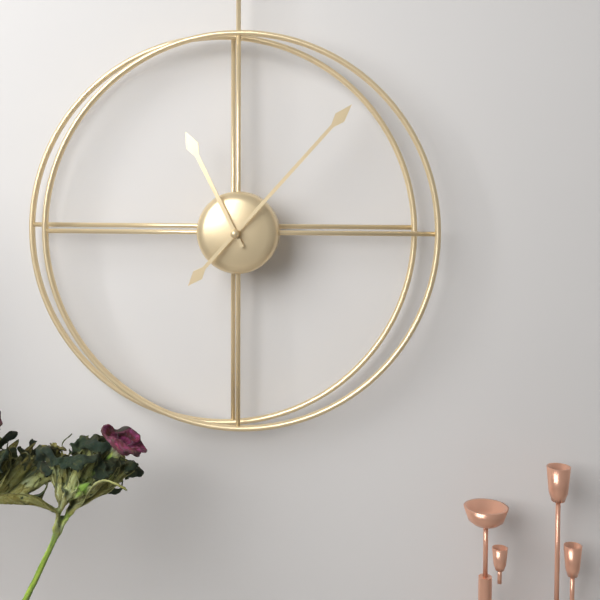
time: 11:07
